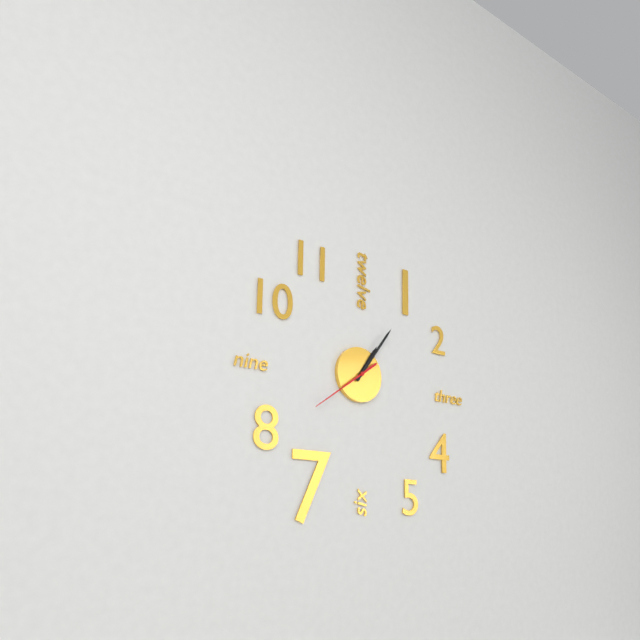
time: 1:06:39
